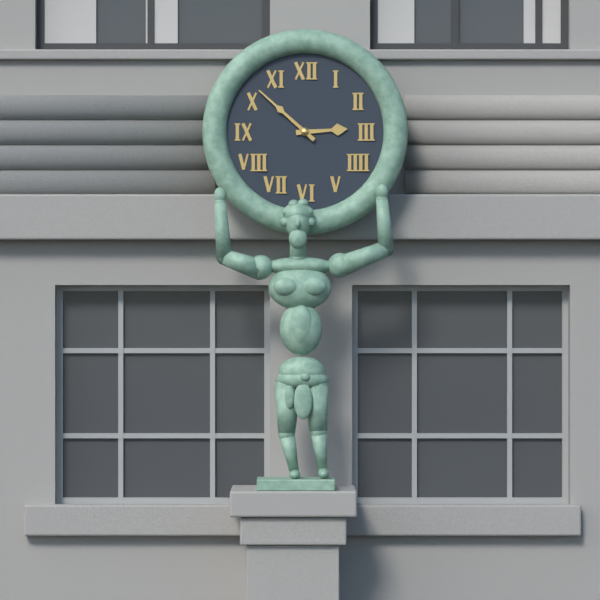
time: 2:52
